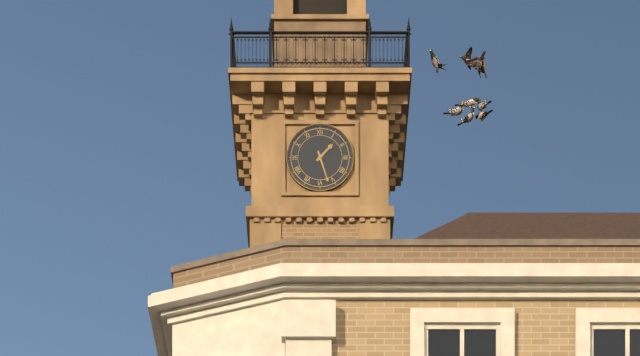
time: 1:27
